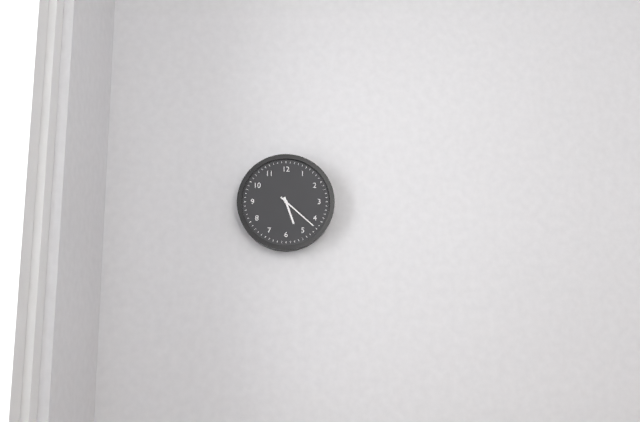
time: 5:22
